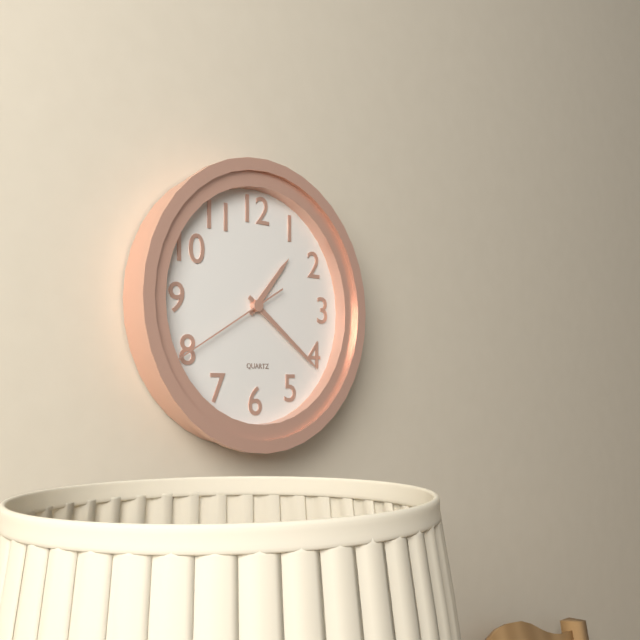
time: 1:21:40
